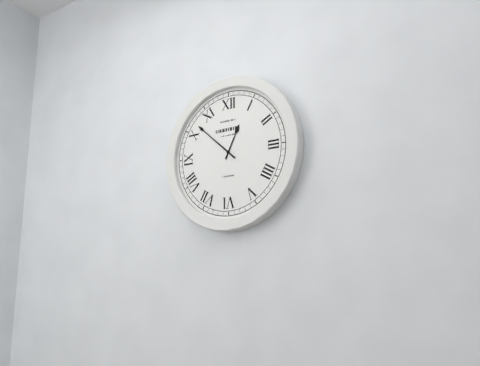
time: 12:52
